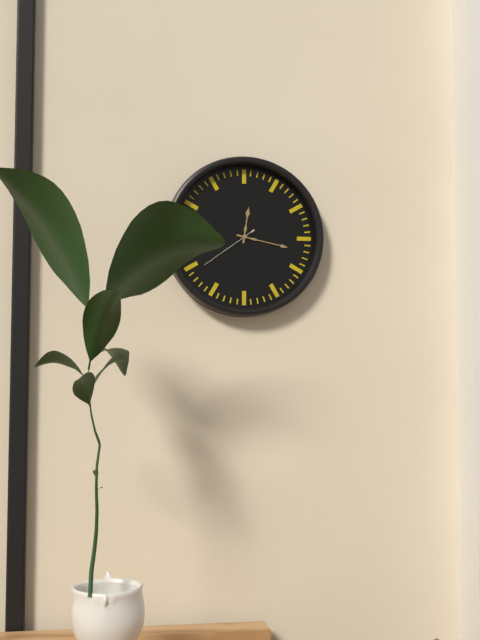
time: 12:17:39
